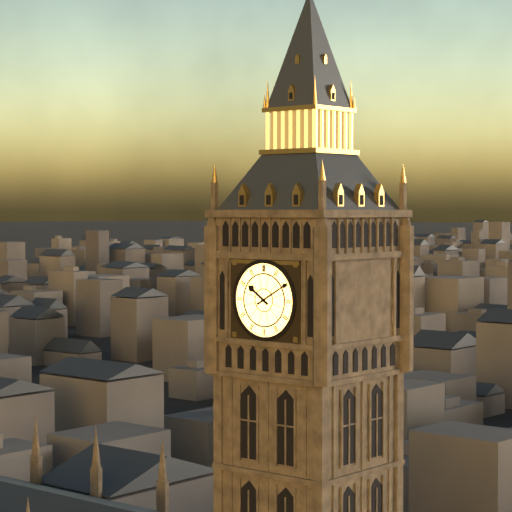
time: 10:10
